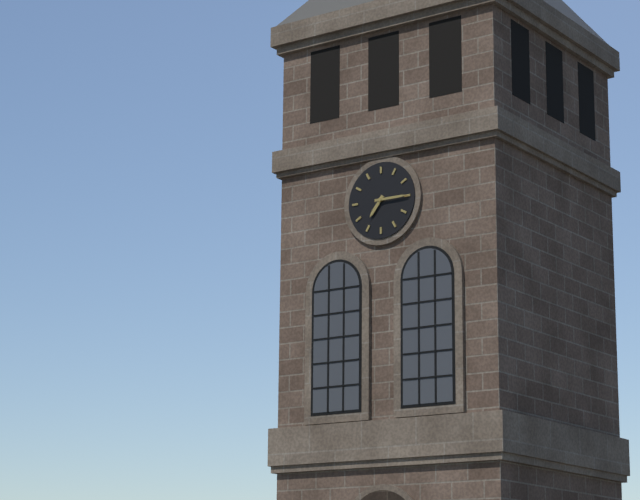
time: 7:15
